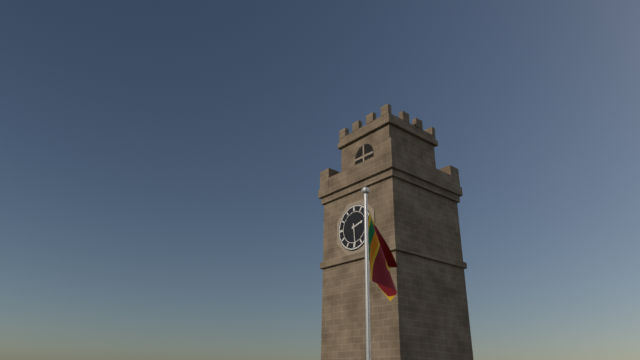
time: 2:29
